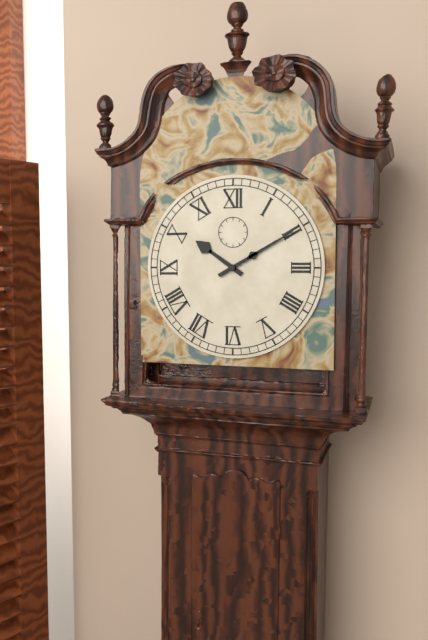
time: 10:10
